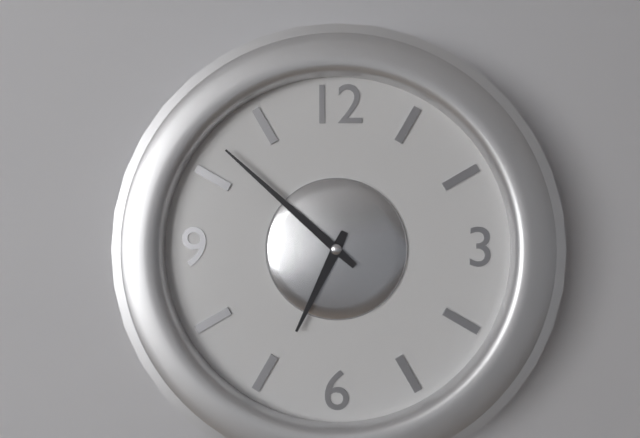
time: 6:52
